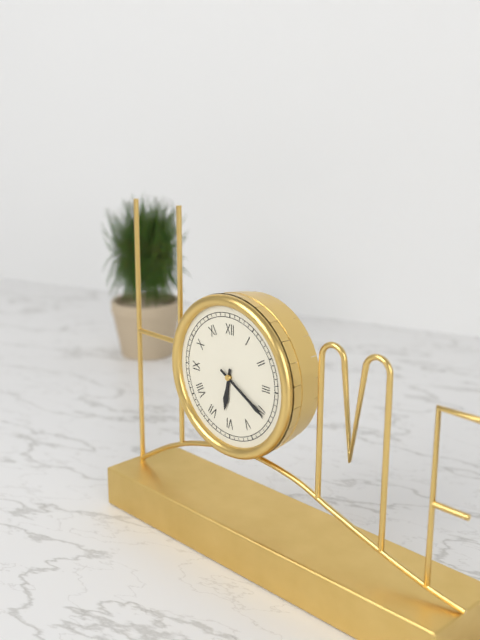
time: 6:20
